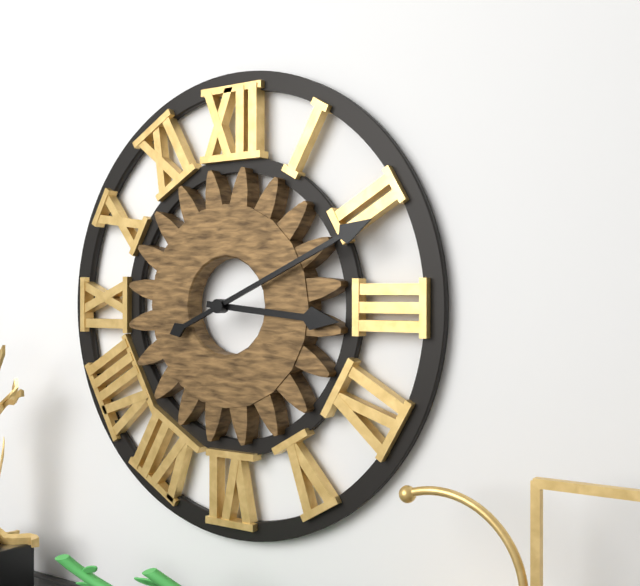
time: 3:11
